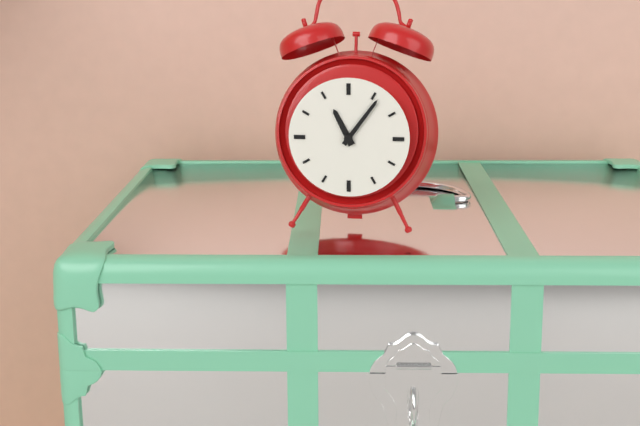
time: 11:06
